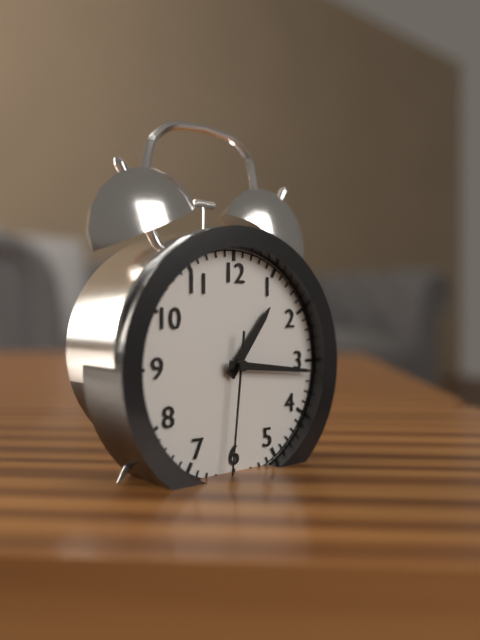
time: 1:16:31
